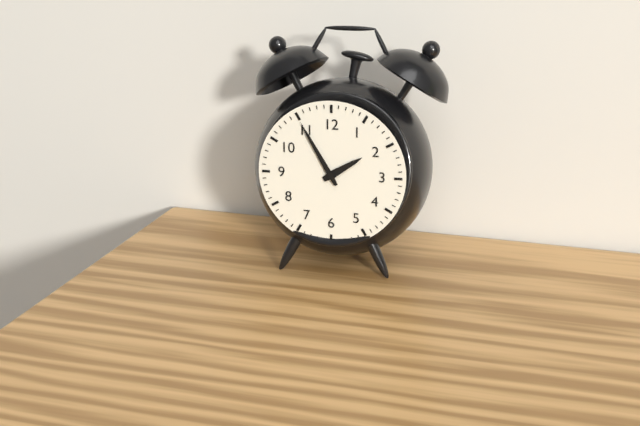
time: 1:55
